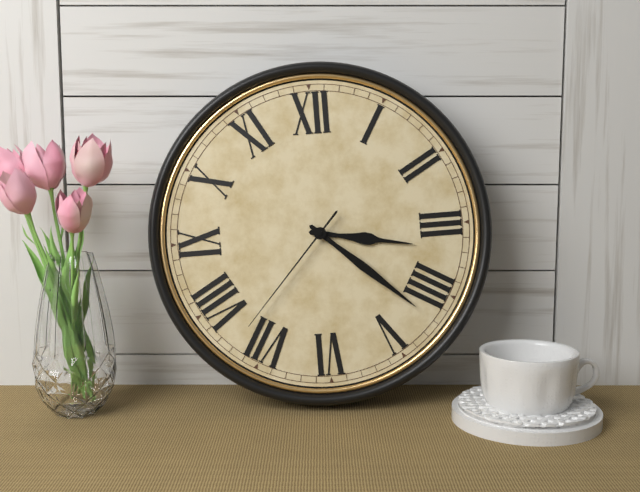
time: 3:22:37
